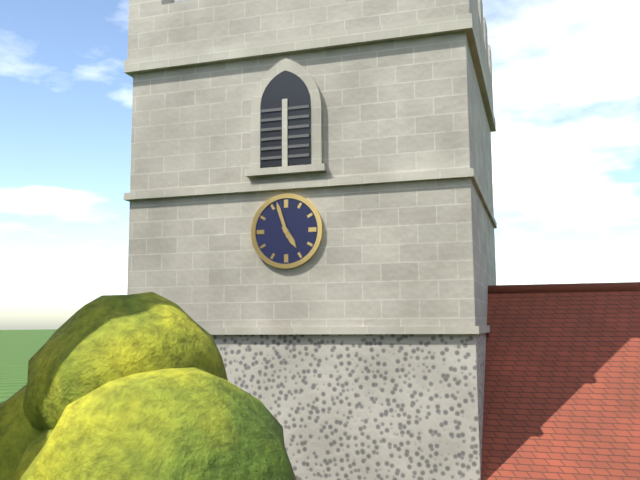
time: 4:57
